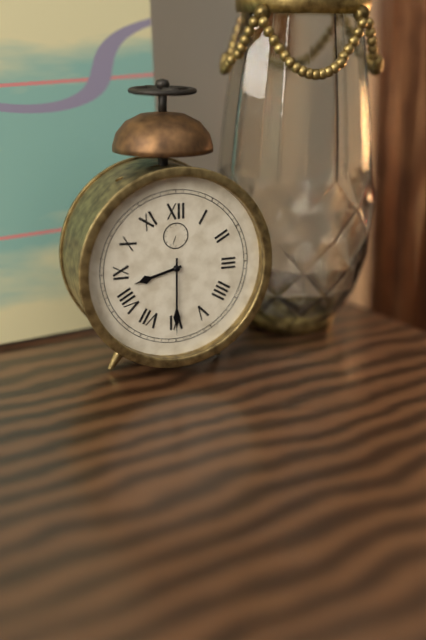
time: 8:30
